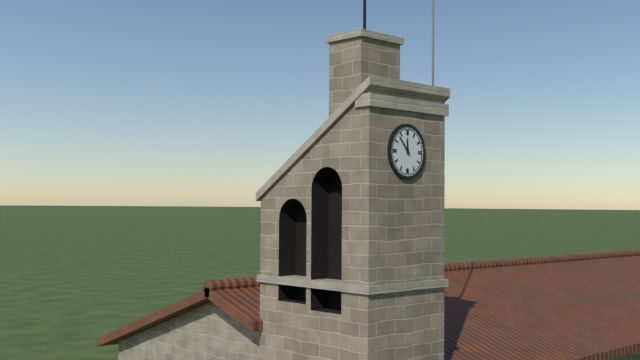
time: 11:53
